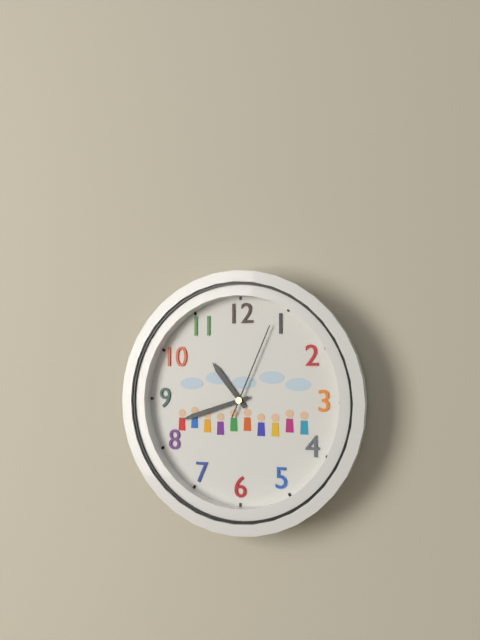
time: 10:42:04
